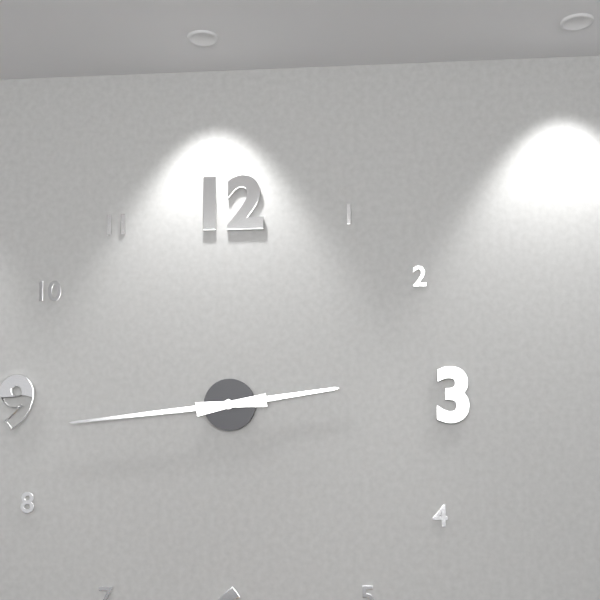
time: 2:44
